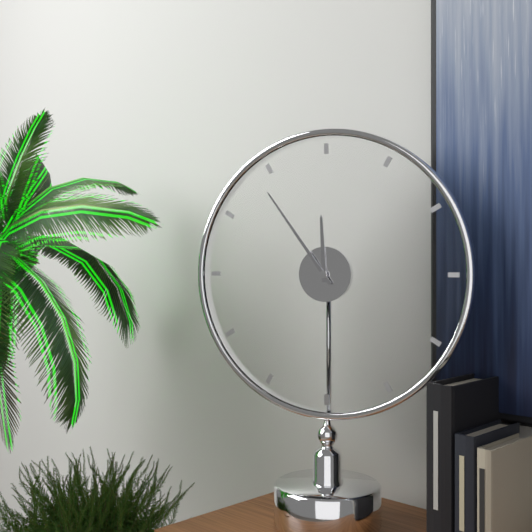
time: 11:54
